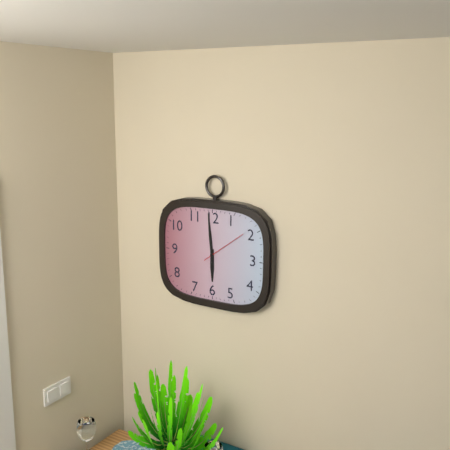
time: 5:59
